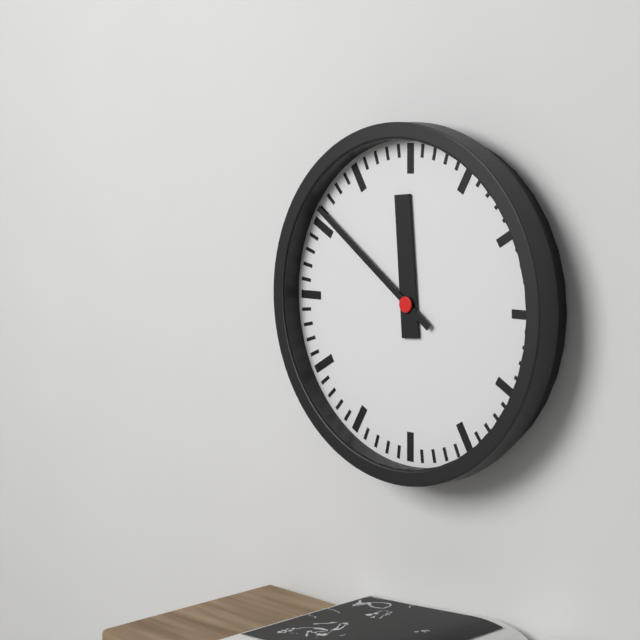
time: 11:51
